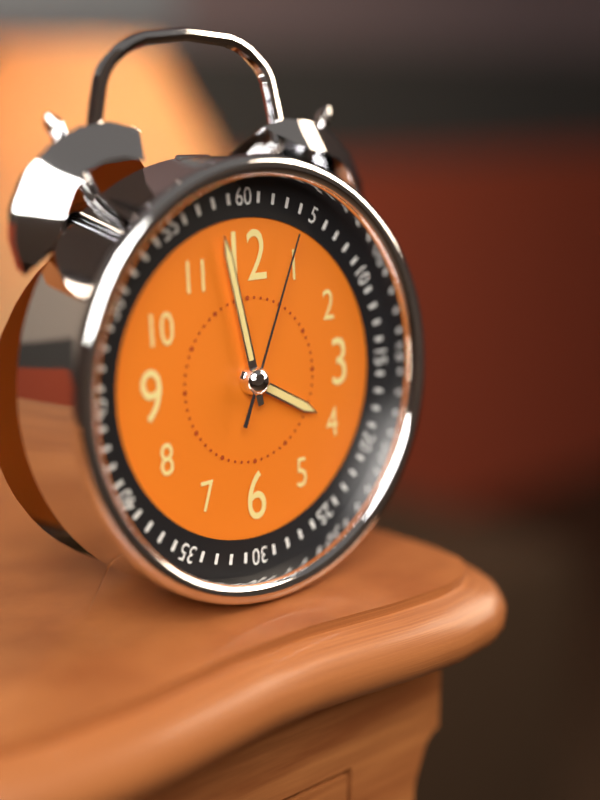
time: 3:58:04
